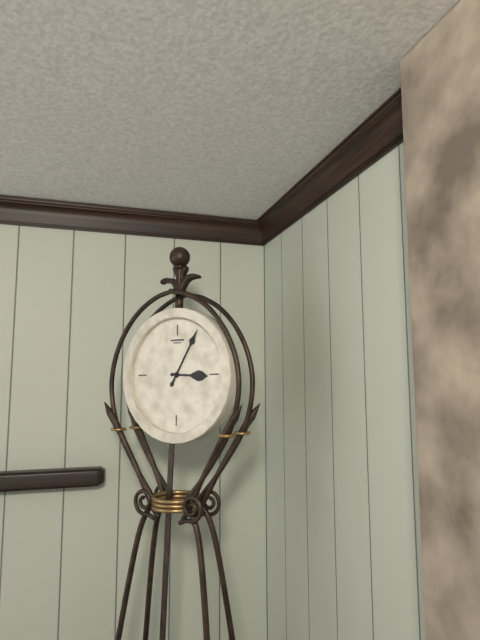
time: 3:05
